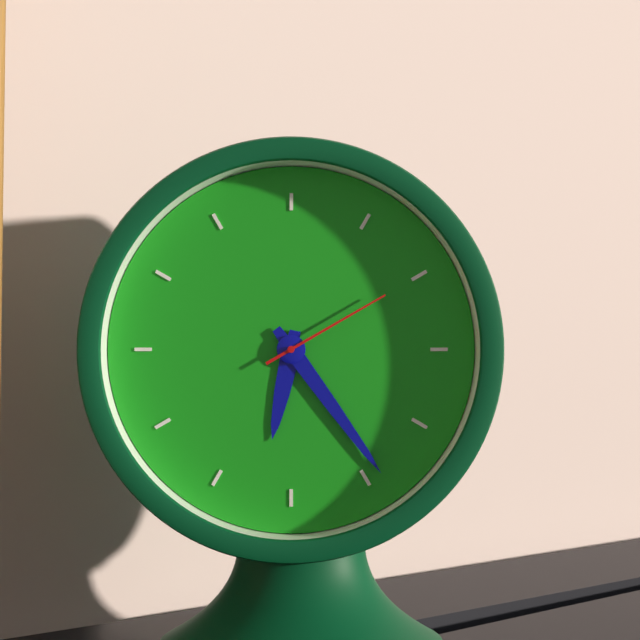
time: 6:24:10
